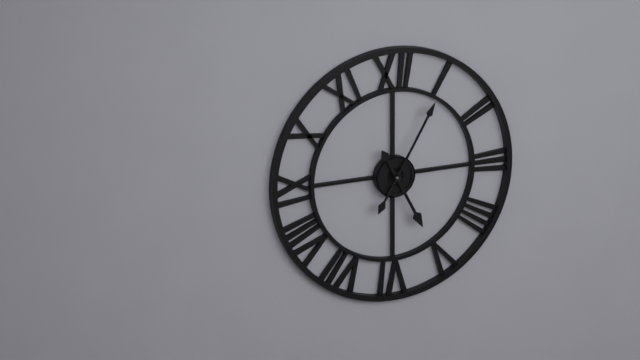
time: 5:05
